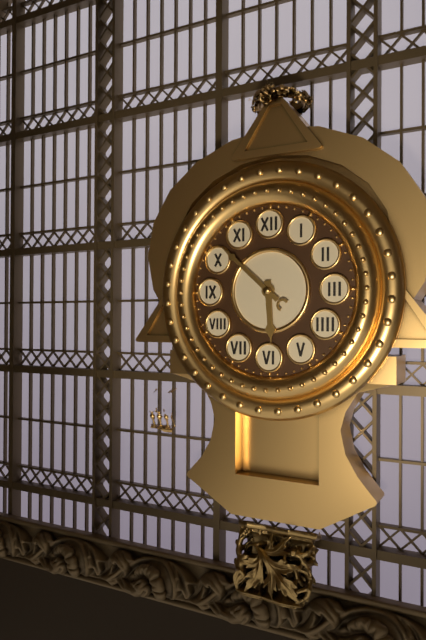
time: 5:52
